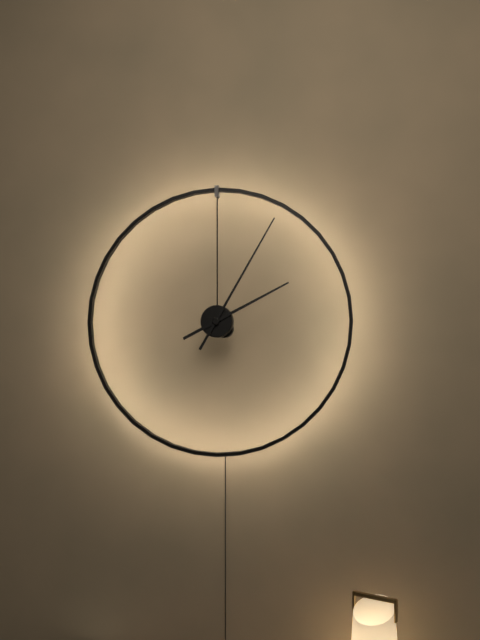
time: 2:05
